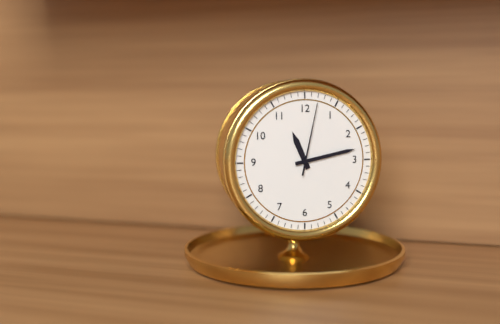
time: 11:13:02
